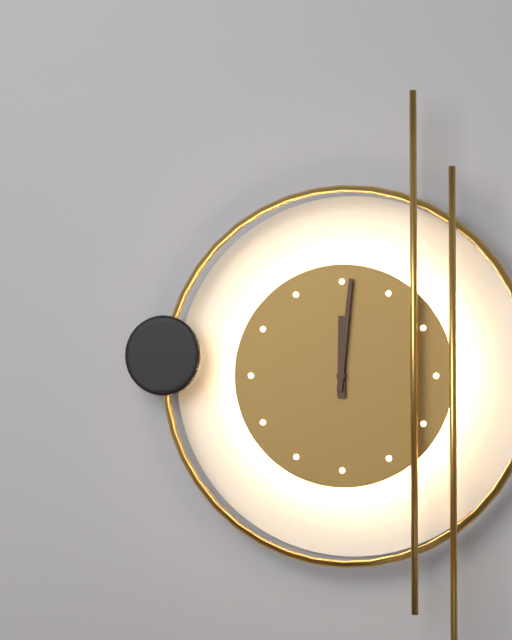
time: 12:01
